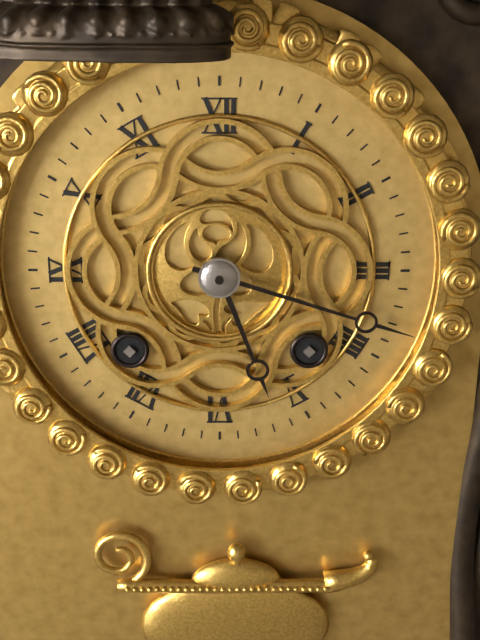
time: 5:18
